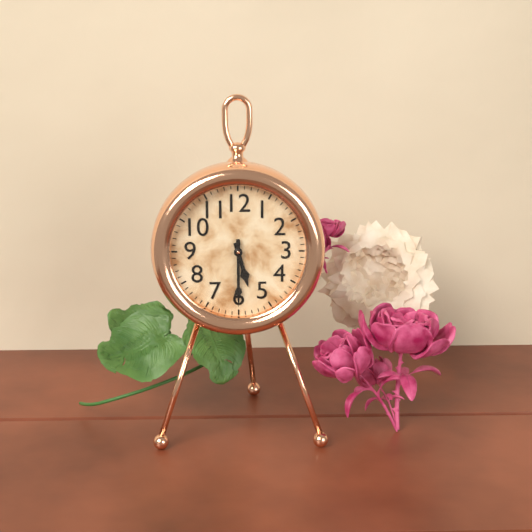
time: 5:30
